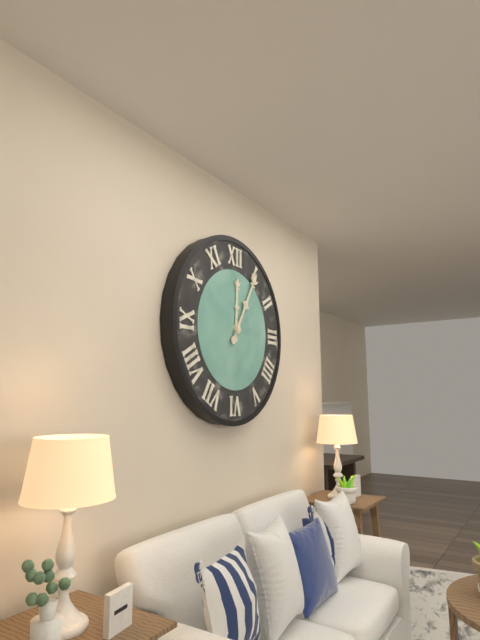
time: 12:05
